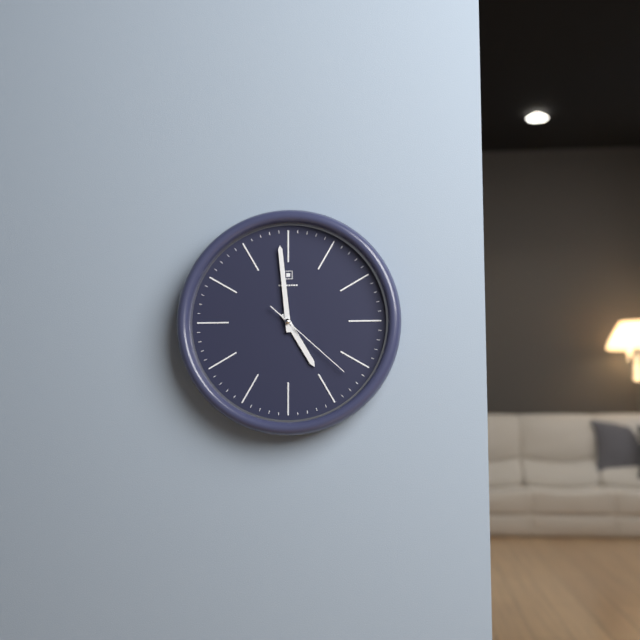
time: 4:59:22
